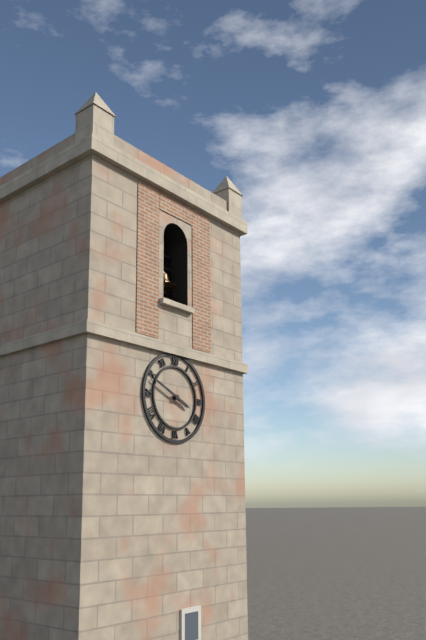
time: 3:49
